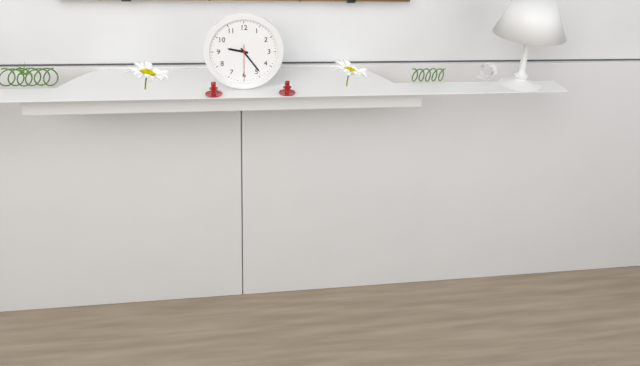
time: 9:24
